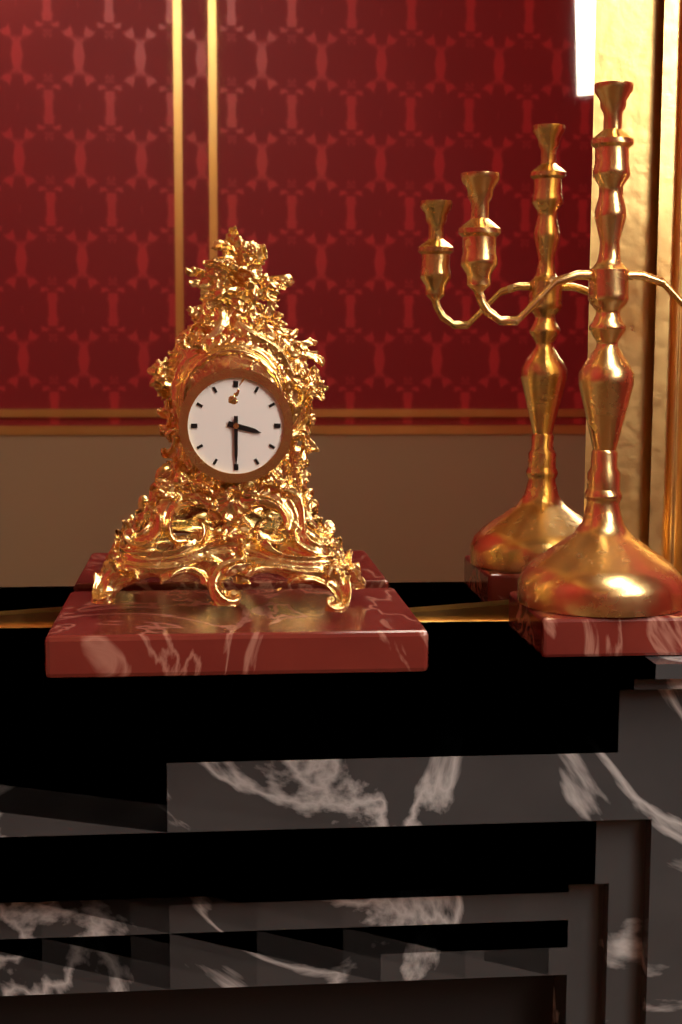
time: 3:30
